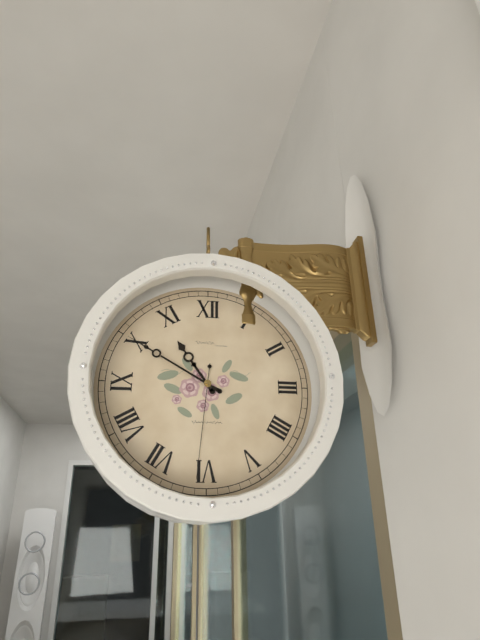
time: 10:50:31
